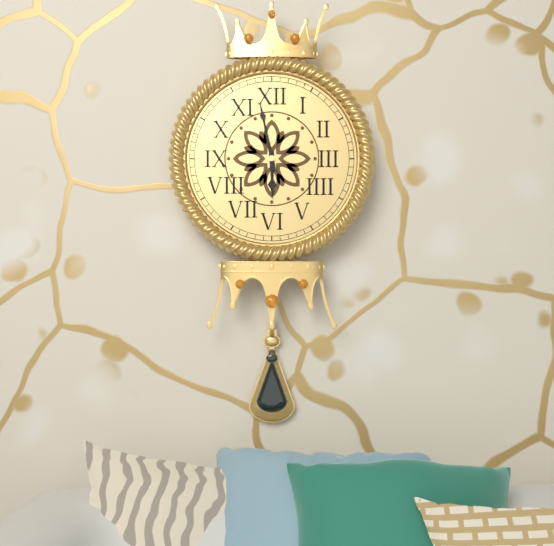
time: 5:58
